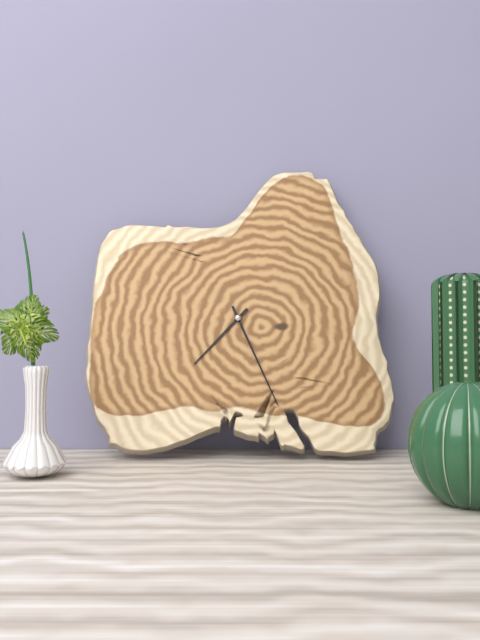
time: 7:26
